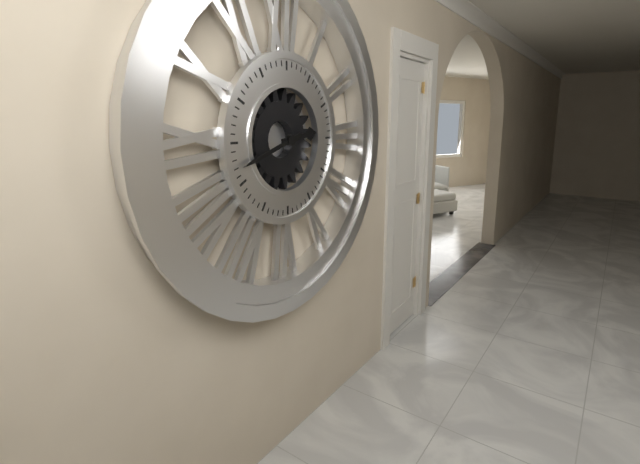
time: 2:42
